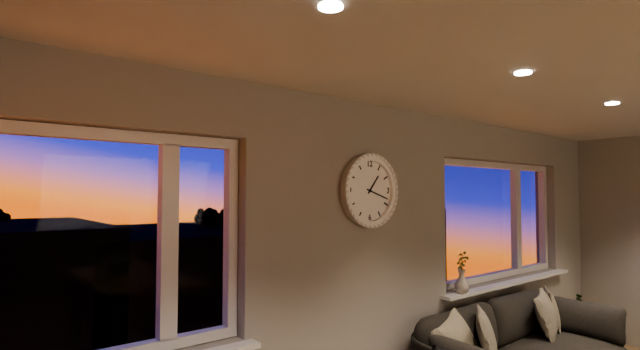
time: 1:18
